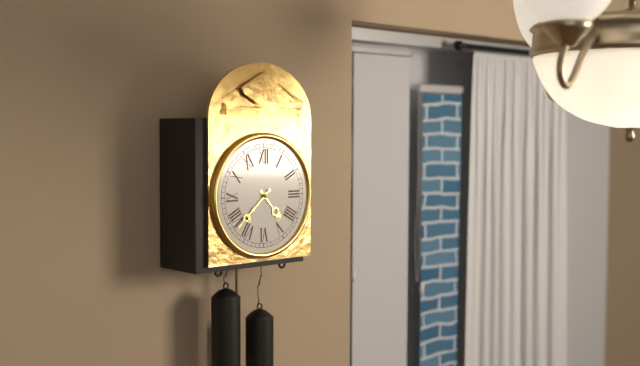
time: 4:38
